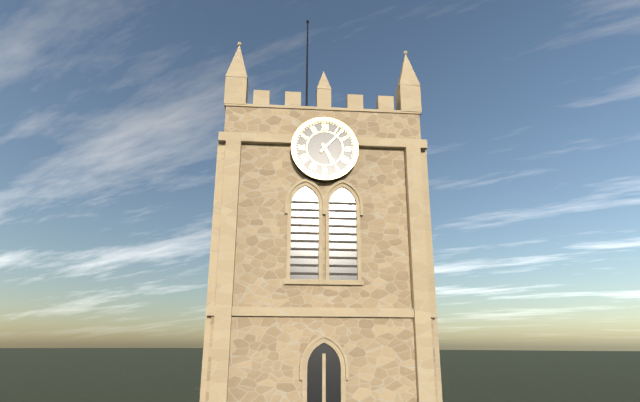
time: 5:07
